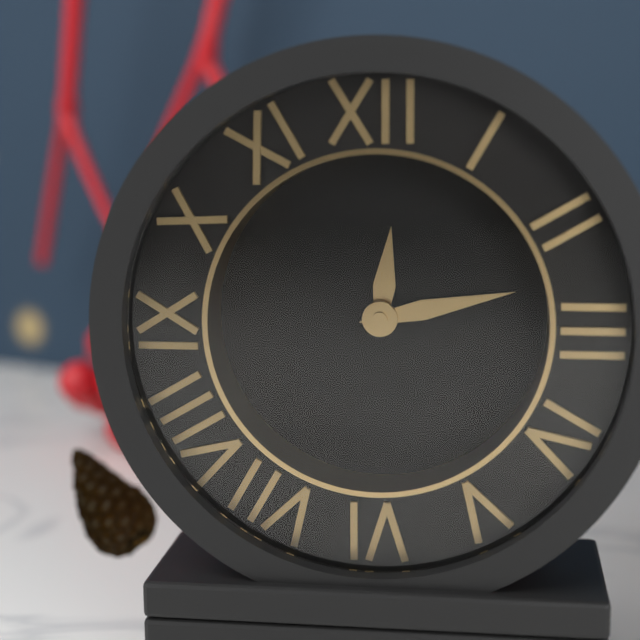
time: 12:13
